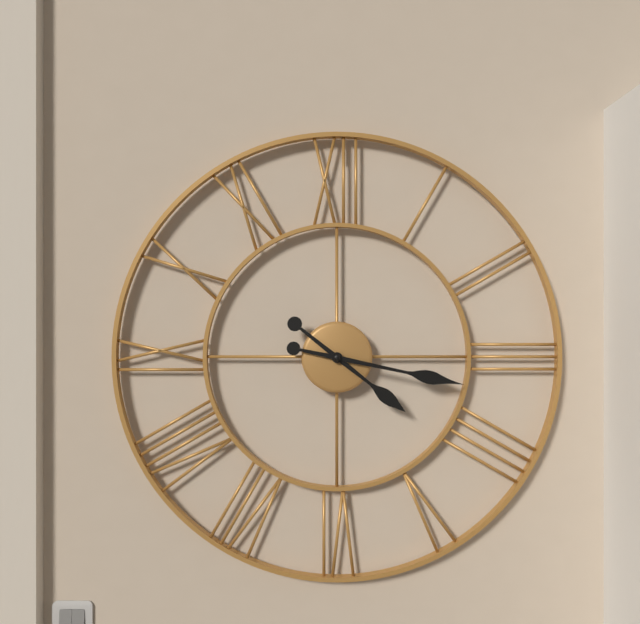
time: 4:17
